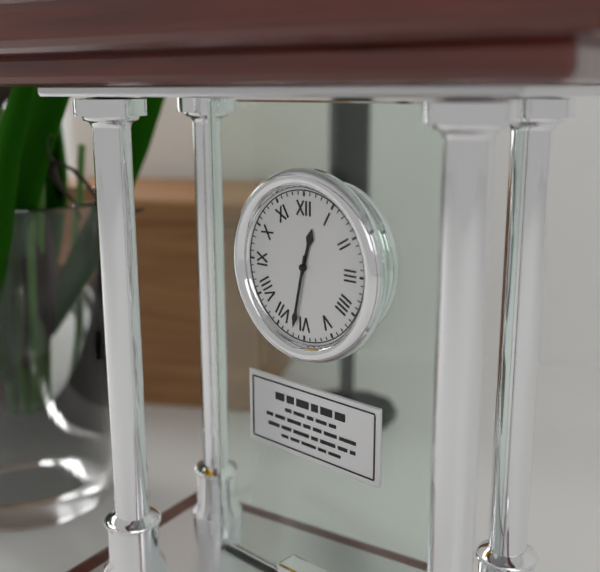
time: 12:32
